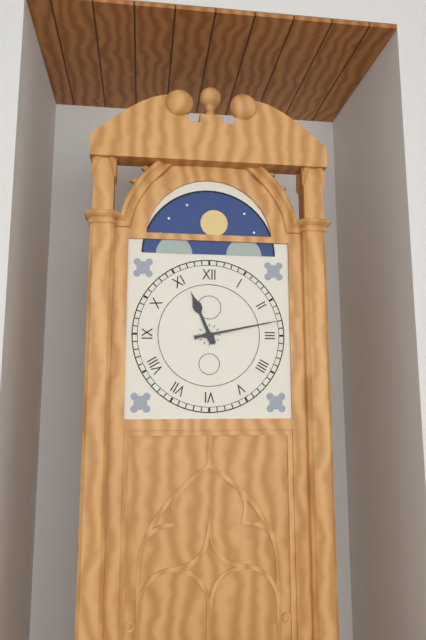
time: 11:13
